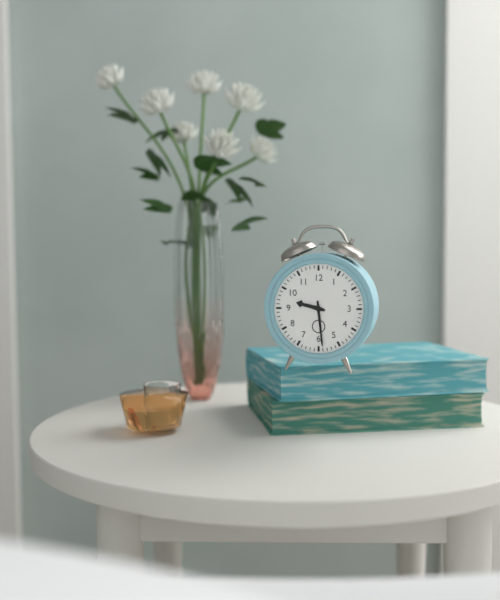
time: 9:29
